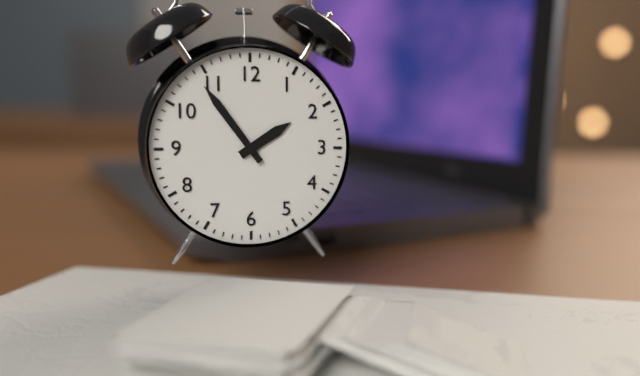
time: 1:54
